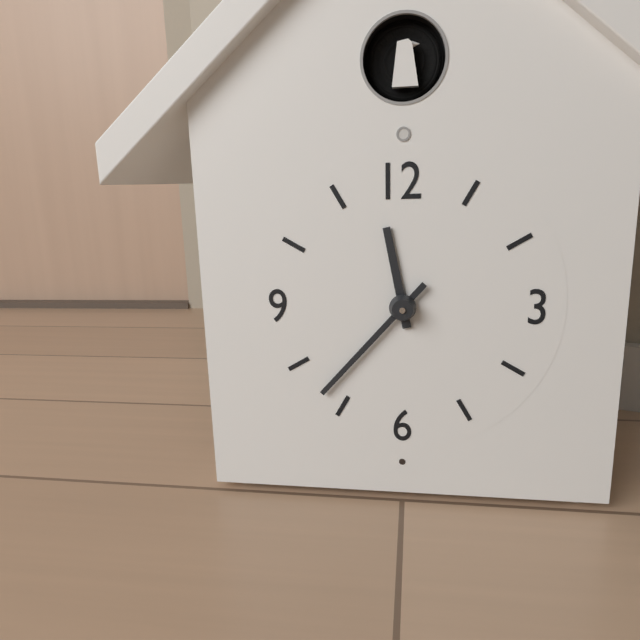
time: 11:37
